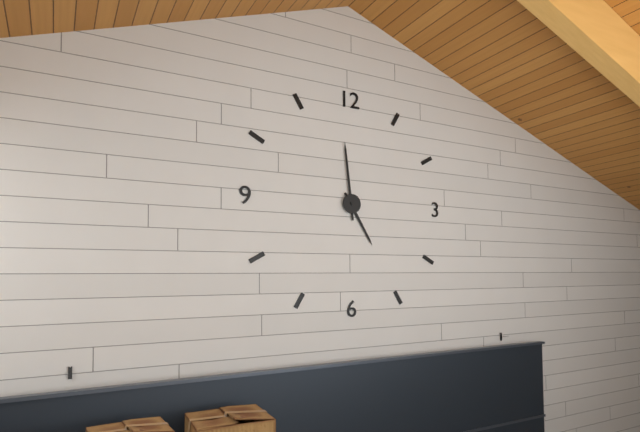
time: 4:59
